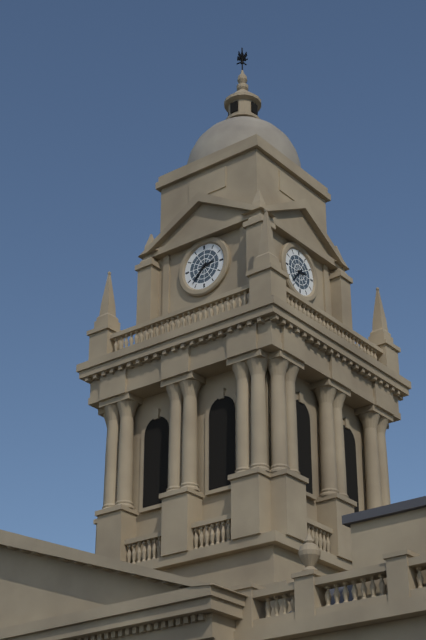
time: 2:37
